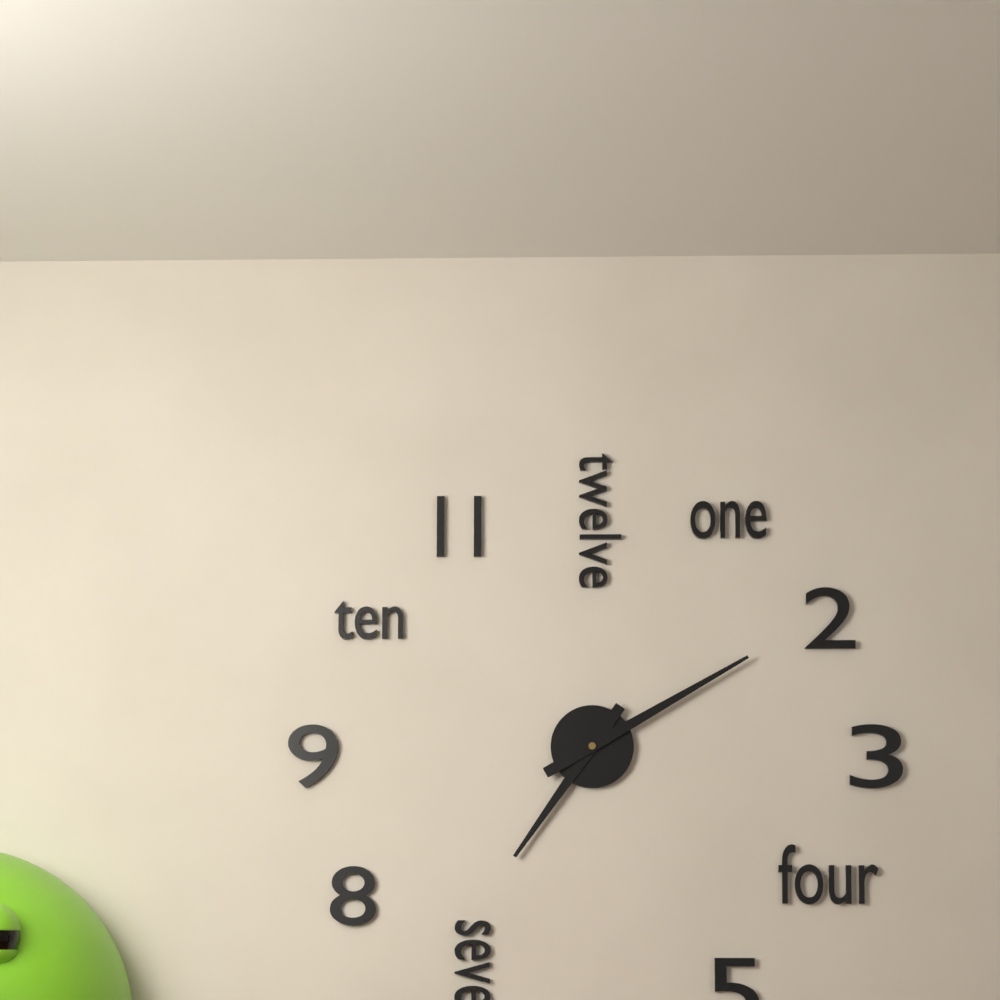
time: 7:10
